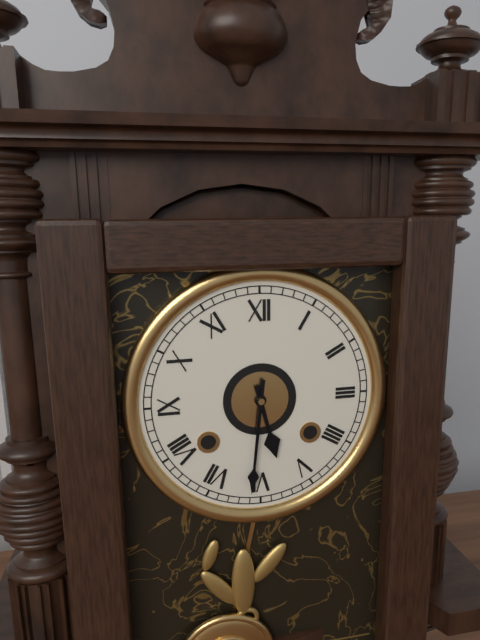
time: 5:31
